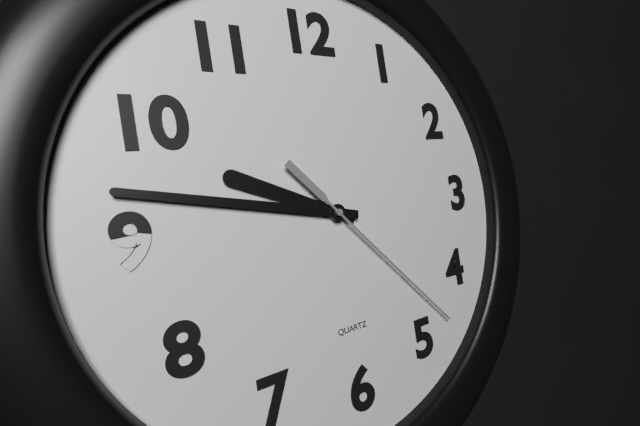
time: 9:47:23
